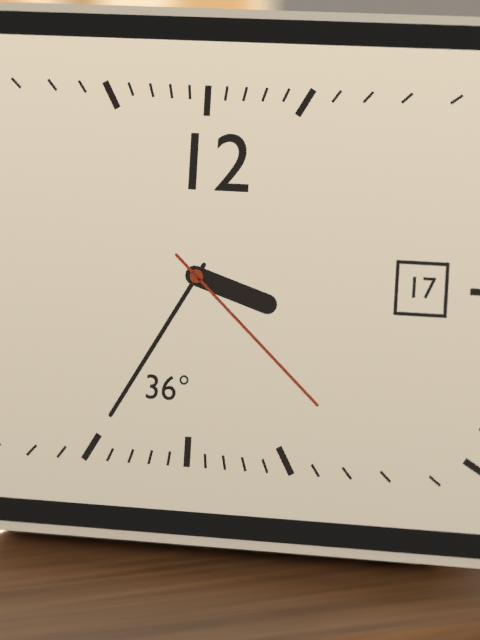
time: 3:35:22
